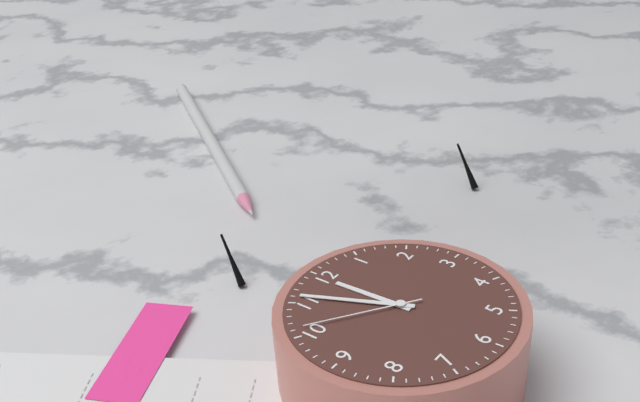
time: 11:56:51
